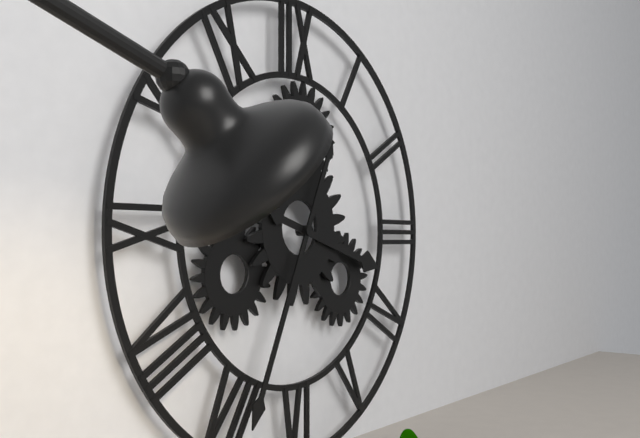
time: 3:34
